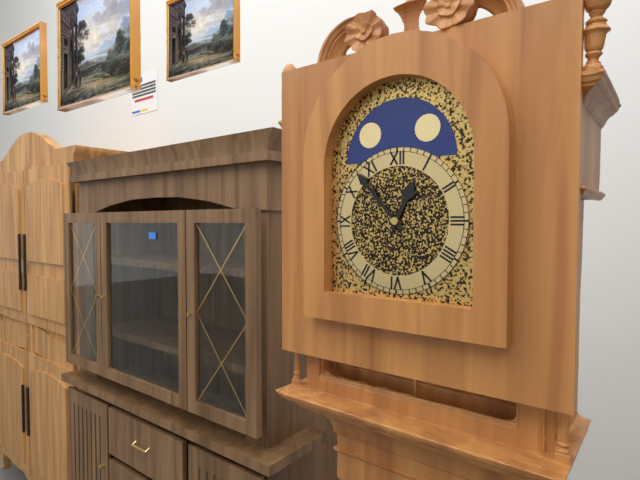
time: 12:53
